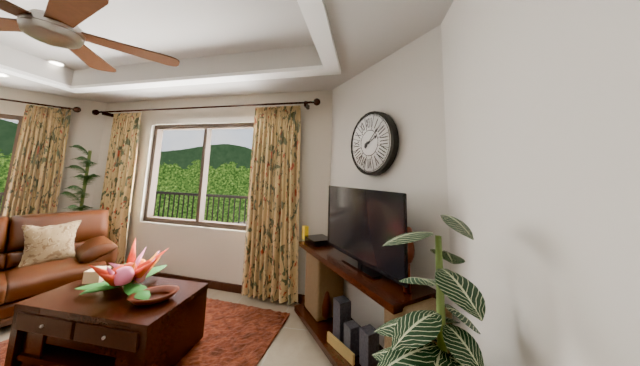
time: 2:08
